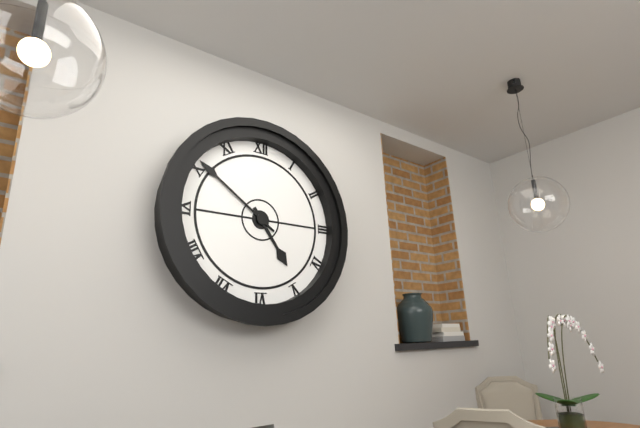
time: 4:51
